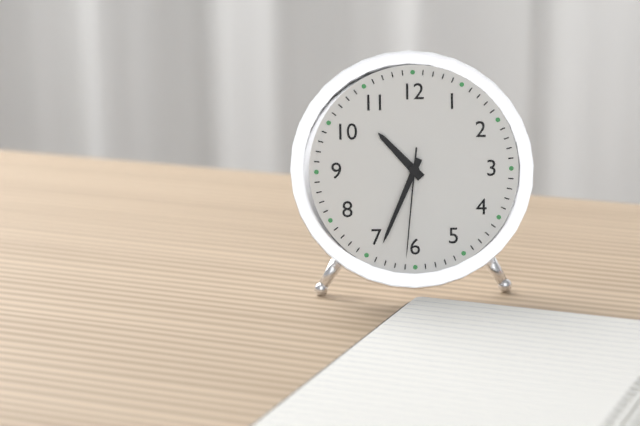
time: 10:34:31
